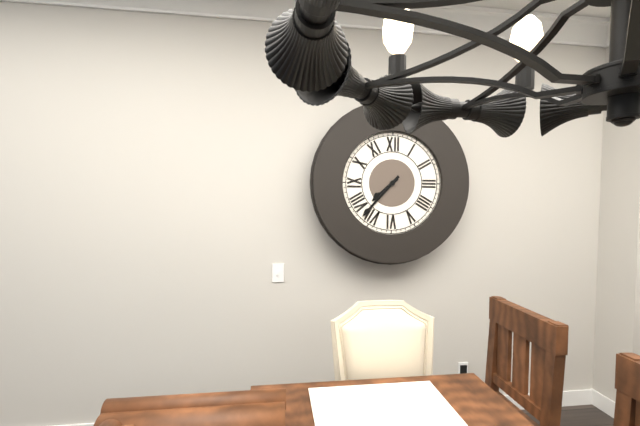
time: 7:37
